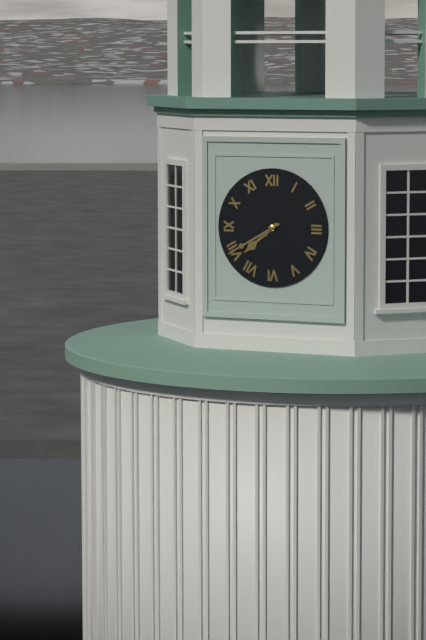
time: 7:40
